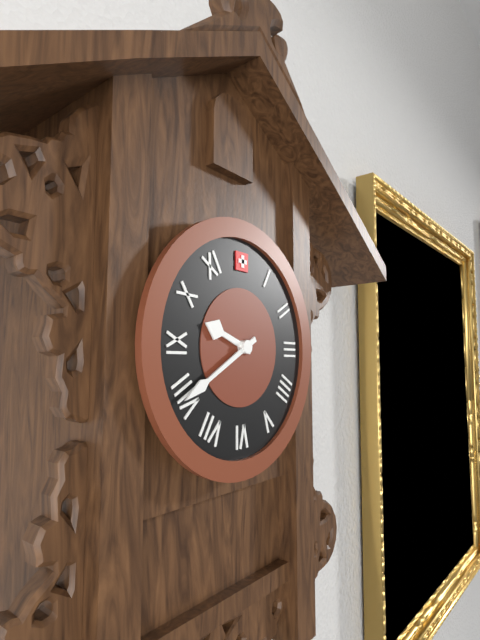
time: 9:40
